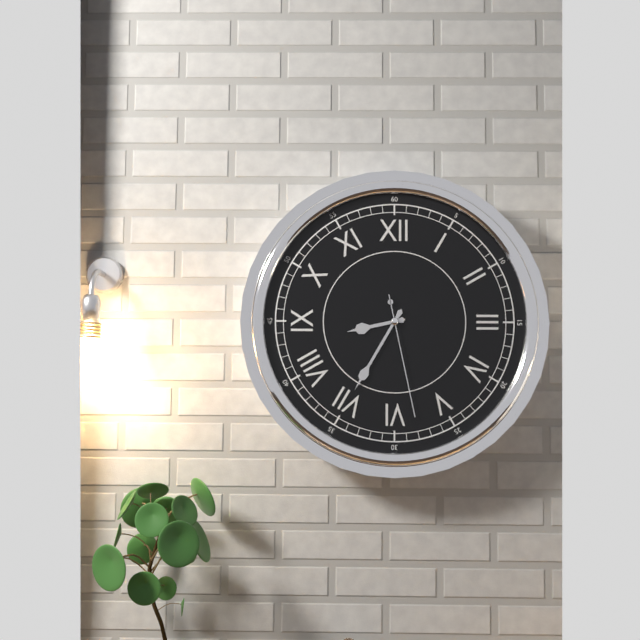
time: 8:35:28
